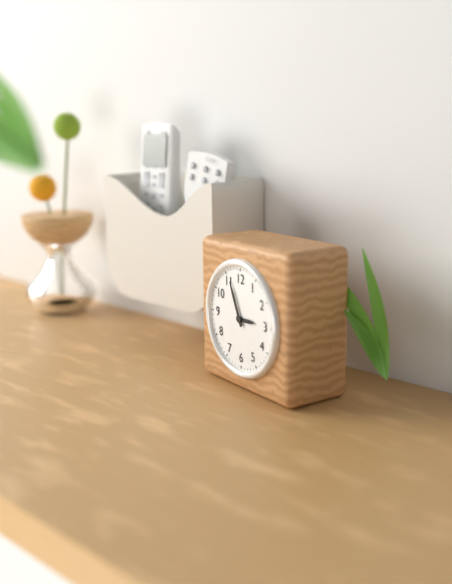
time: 2:56
